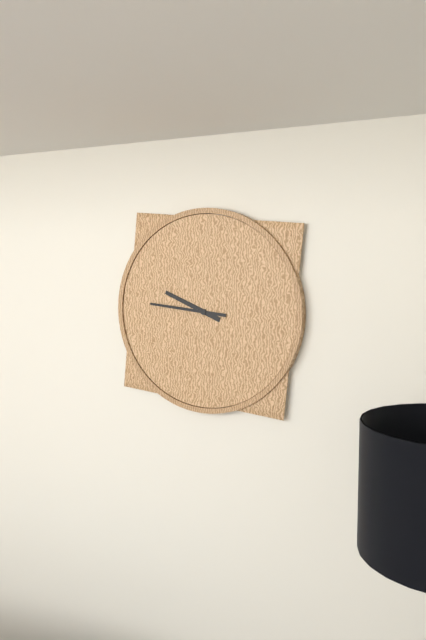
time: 9:46
